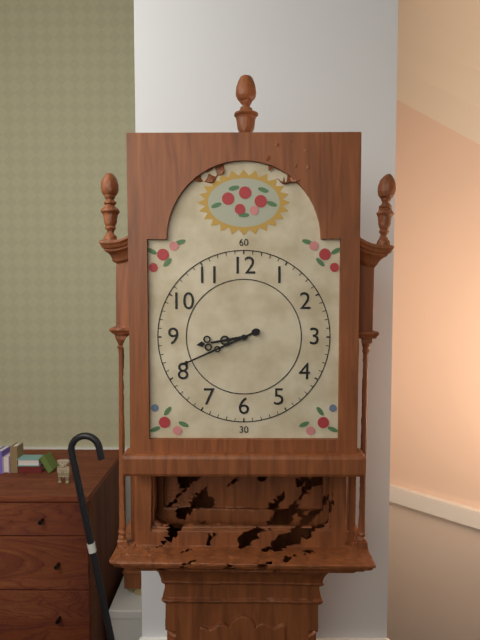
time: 8:41
